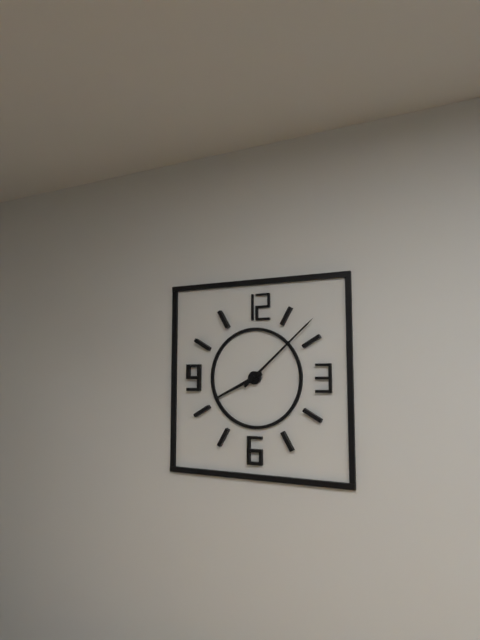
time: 8:08
